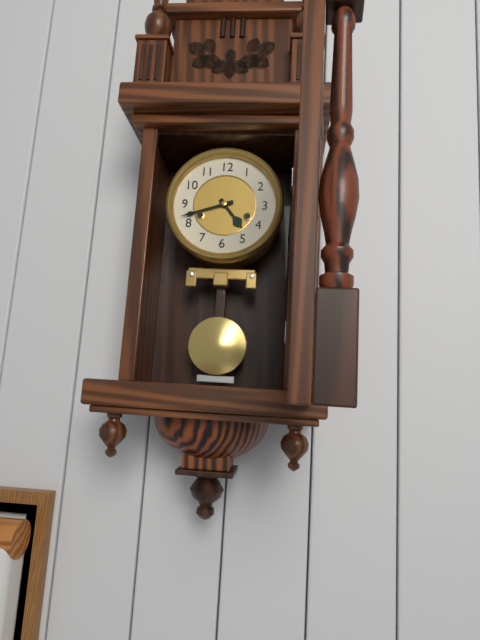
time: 4:42
